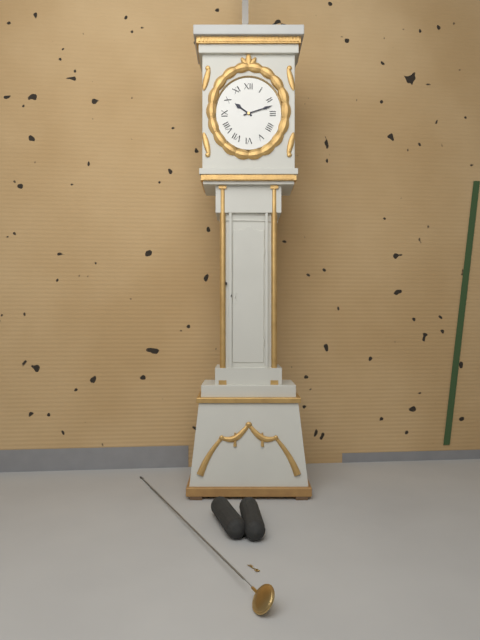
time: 10:12
